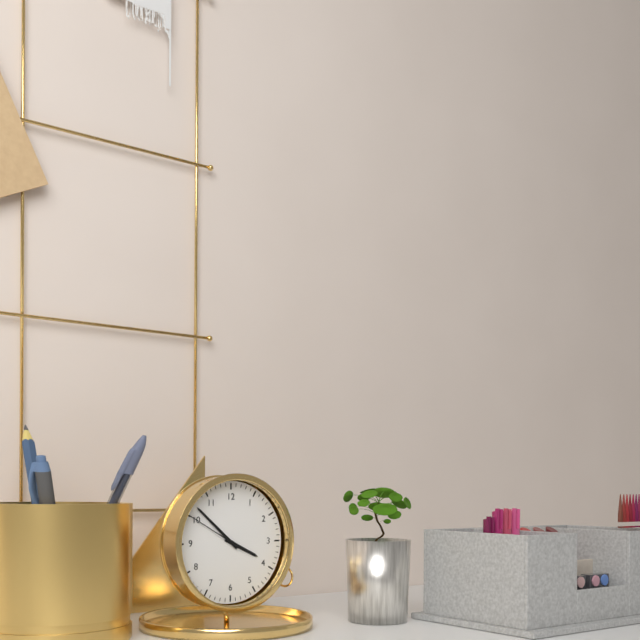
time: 3:52:50
